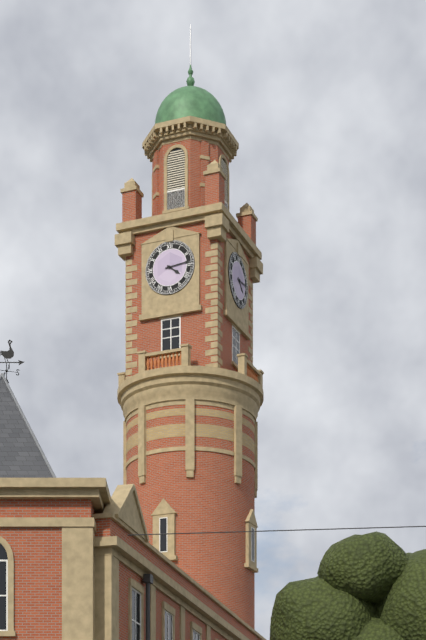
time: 4:14
